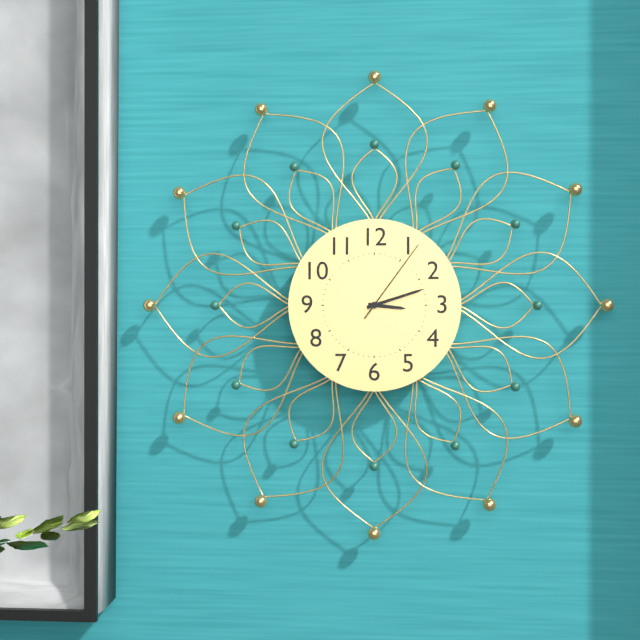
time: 3:12:06
